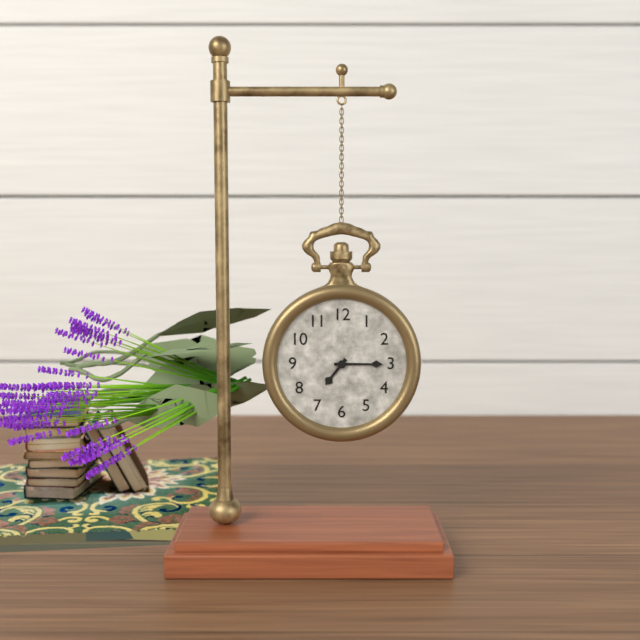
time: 7:15
